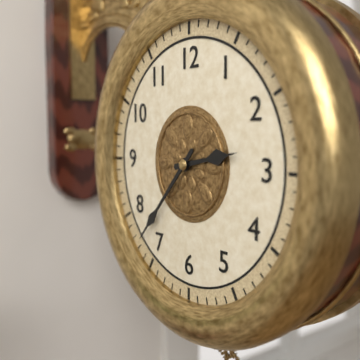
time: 2:37
